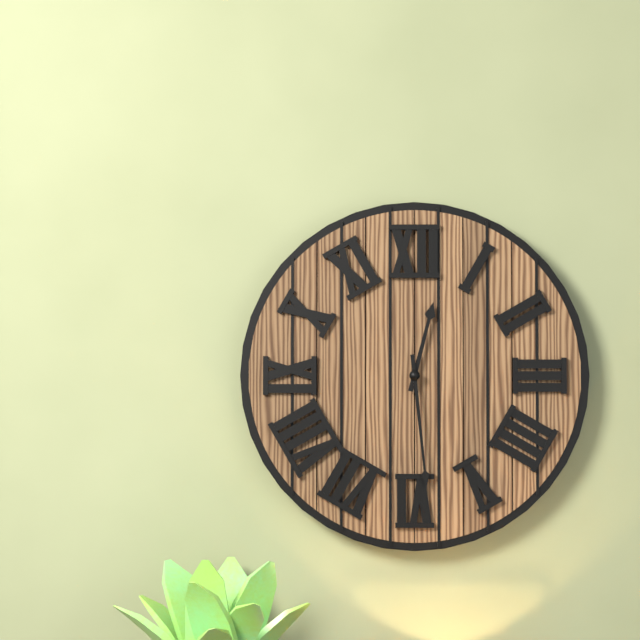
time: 12:29
